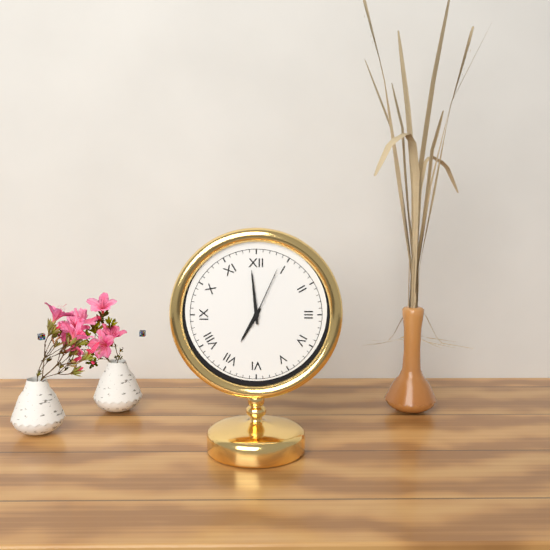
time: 6:59:04
